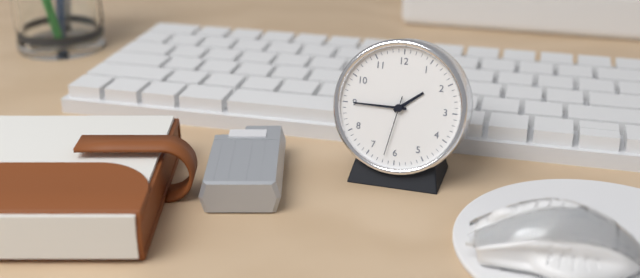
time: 1:45:32
